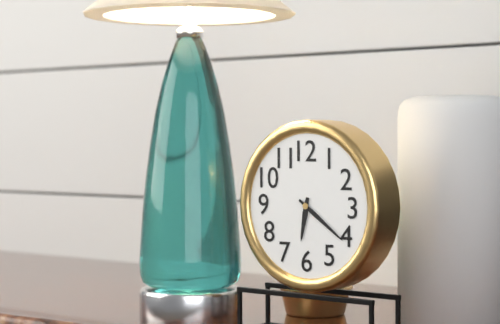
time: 6:21
